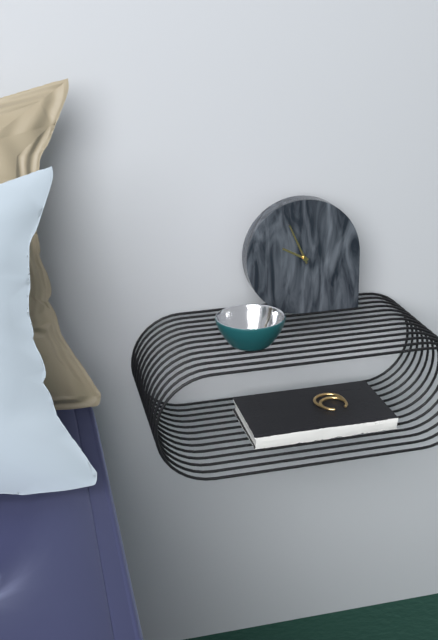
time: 9:56
